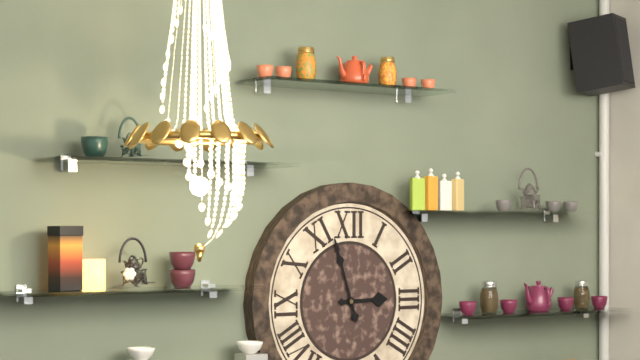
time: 2:57
